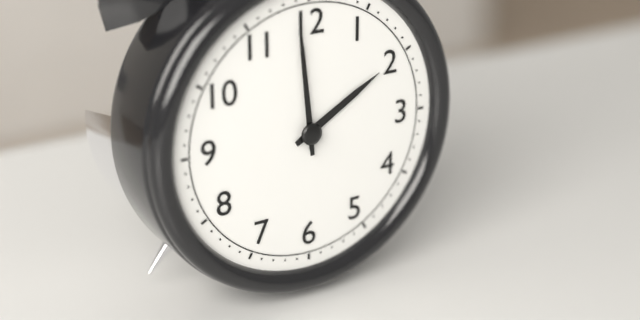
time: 1:59
